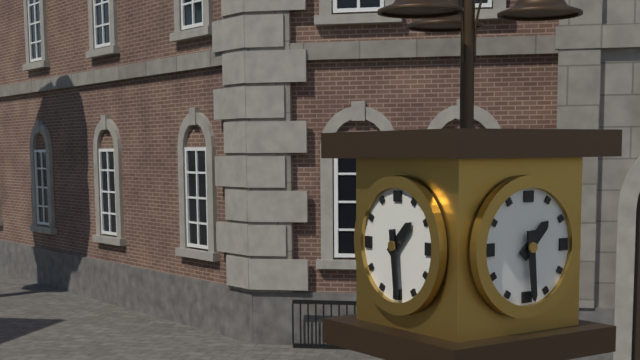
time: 1:29
